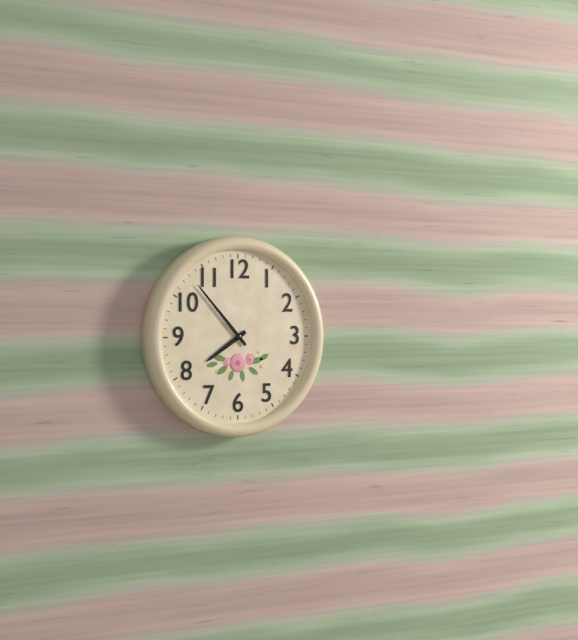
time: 7:53
